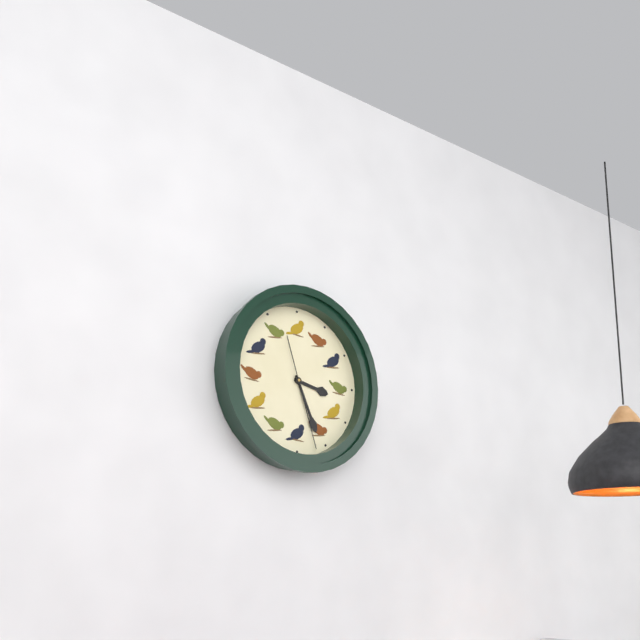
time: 3:26:27
